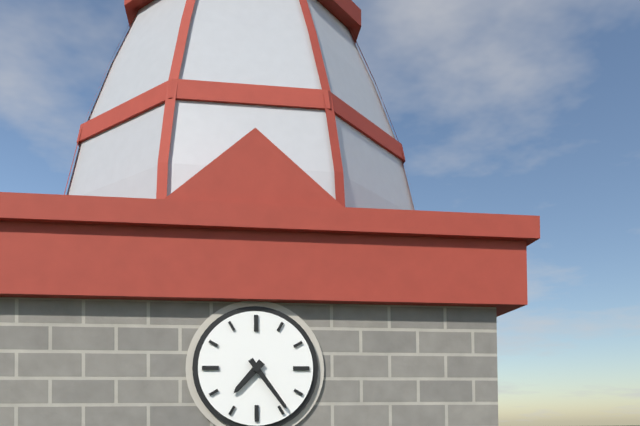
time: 7:24
